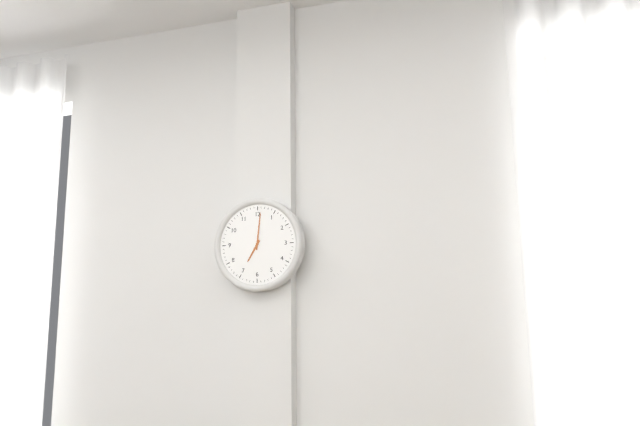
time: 7:01
